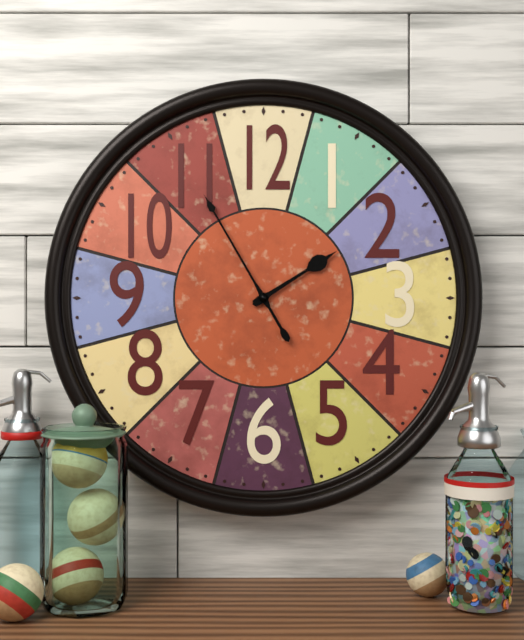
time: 1:55
